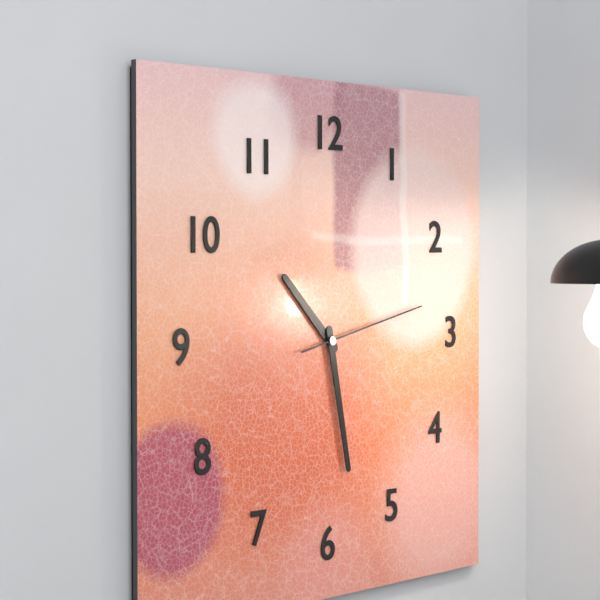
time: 10:28:13
